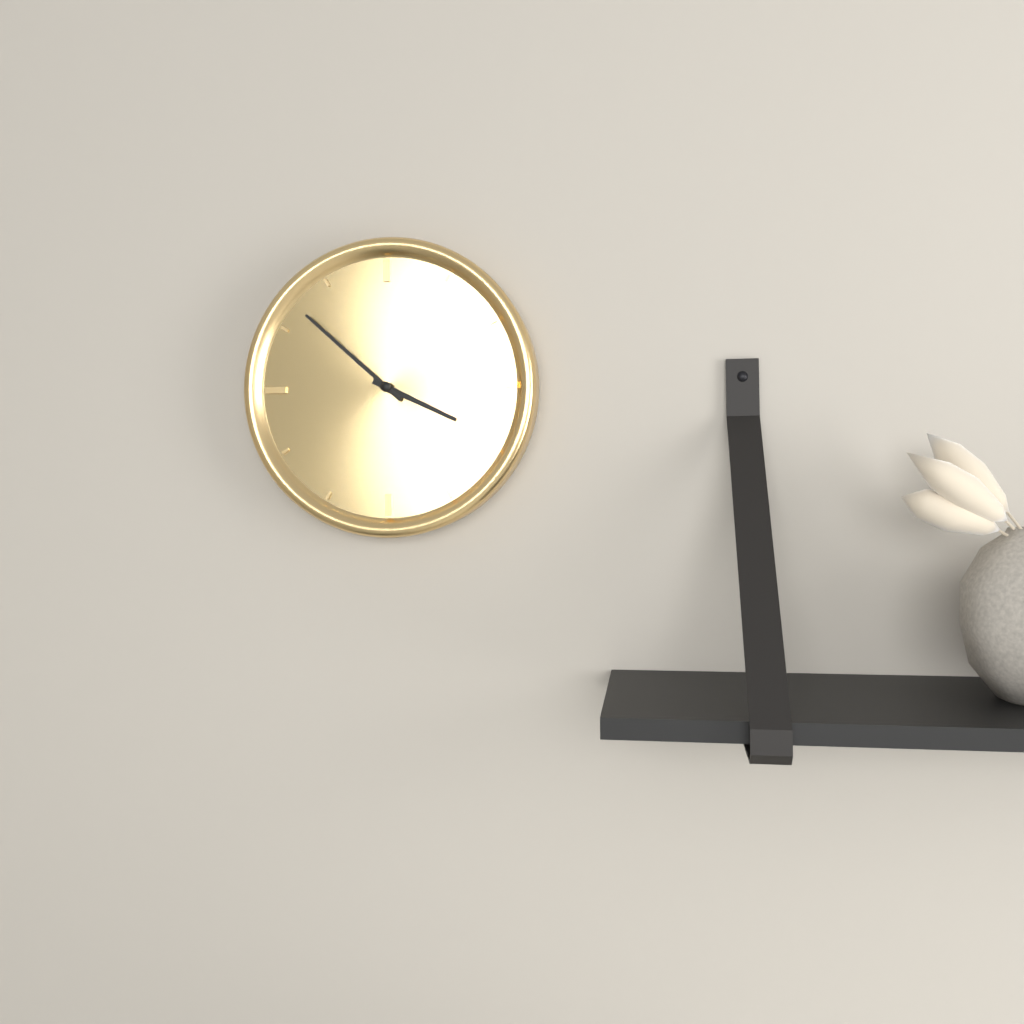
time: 3:52
